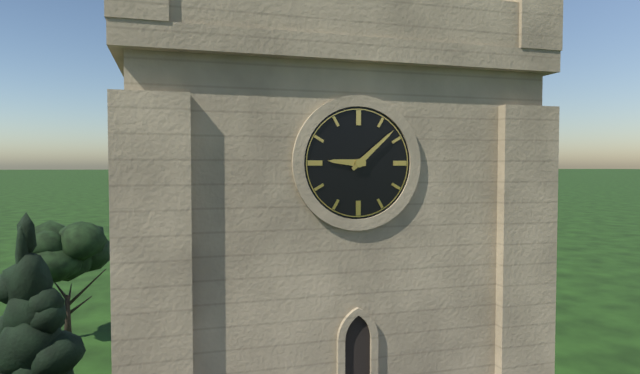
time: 9:08
